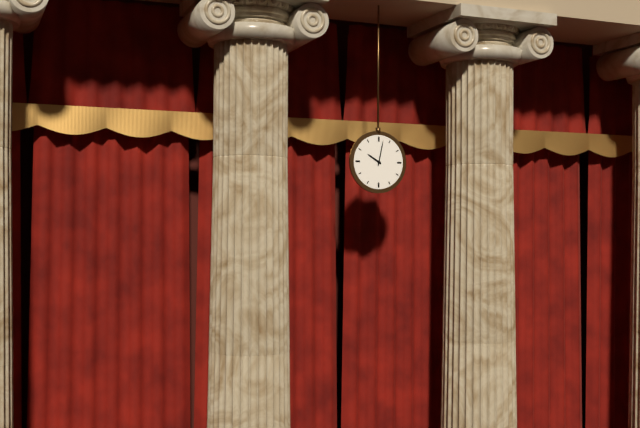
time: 10:02
